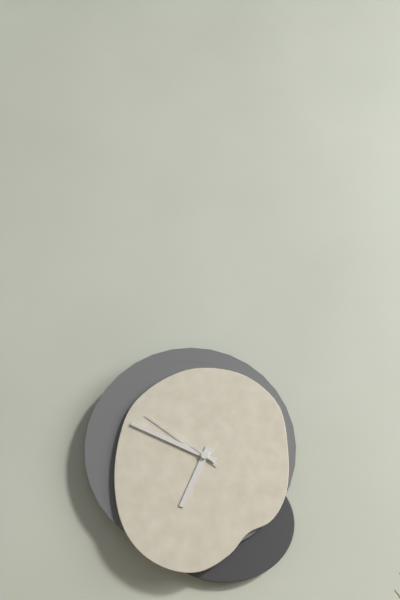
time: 6:49:51
